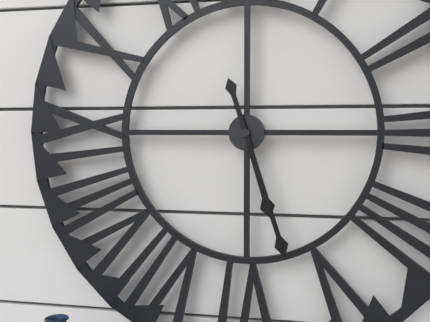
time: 5:27
